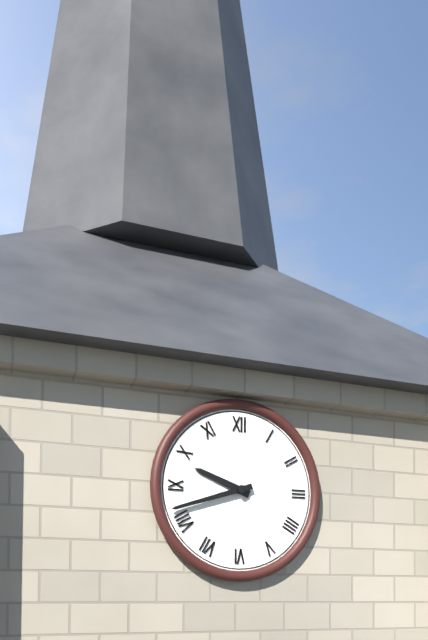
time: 9:42
